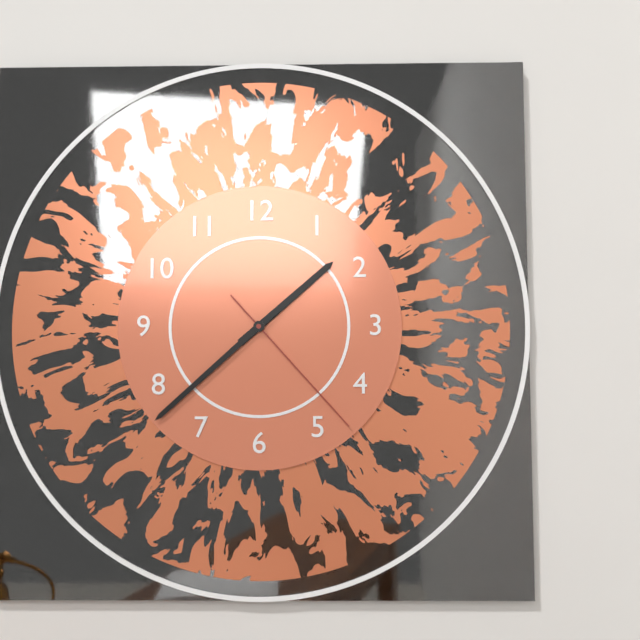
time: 1:38:23
